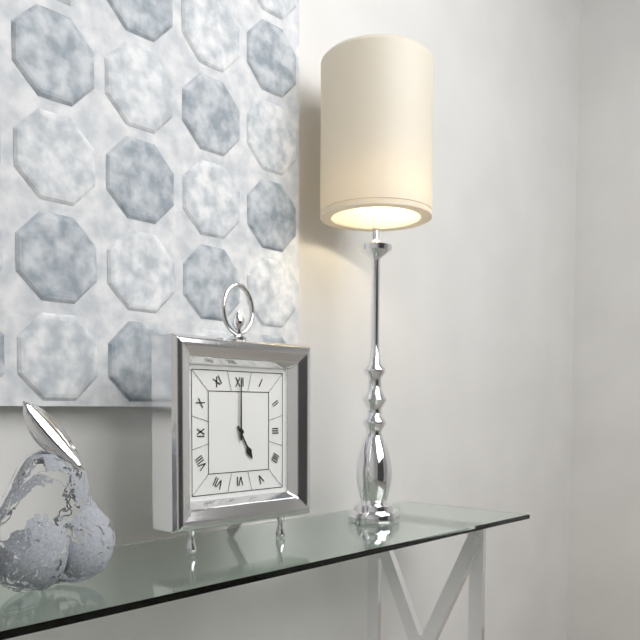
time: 5:00
